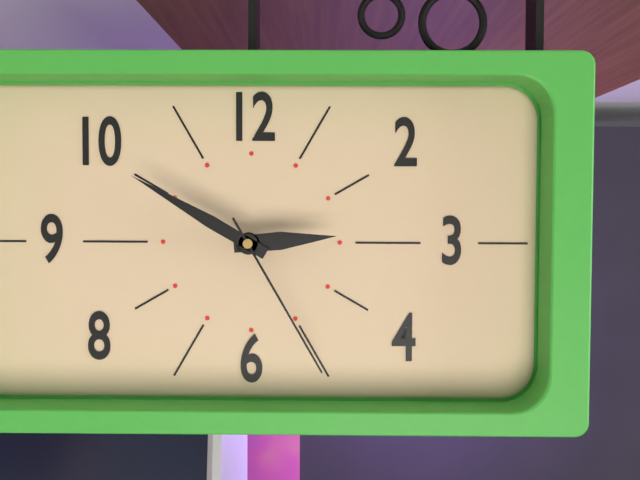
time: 2:50:25
